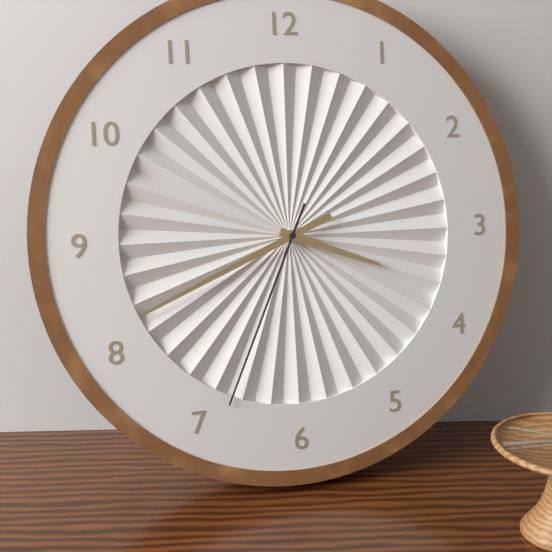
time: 3:41:34
